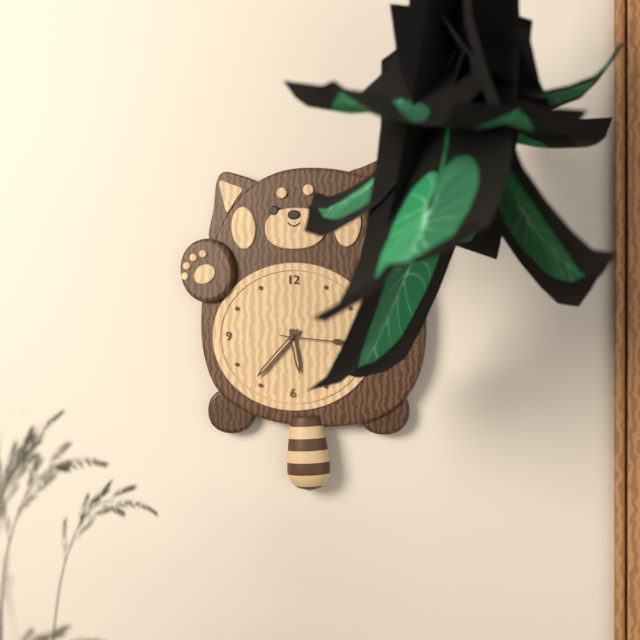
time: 5:37:16
